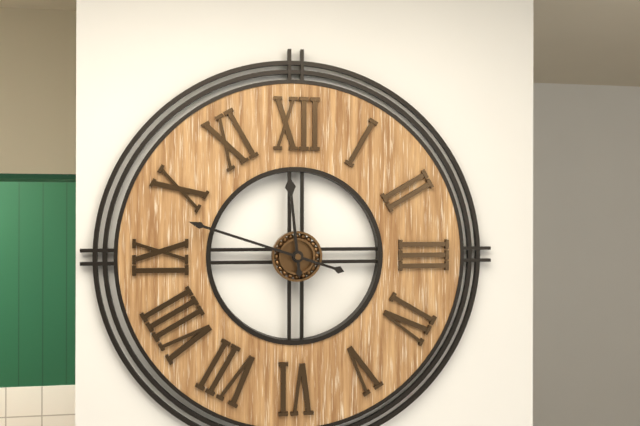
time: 11:48
